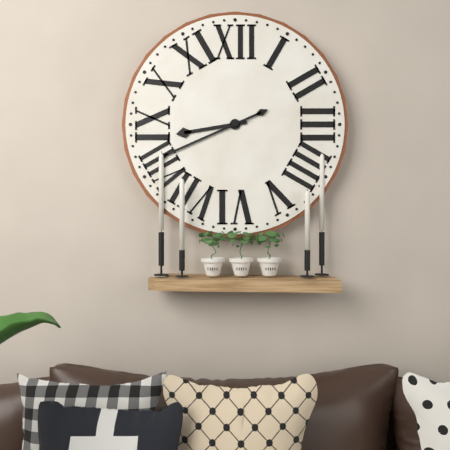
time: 8:41
